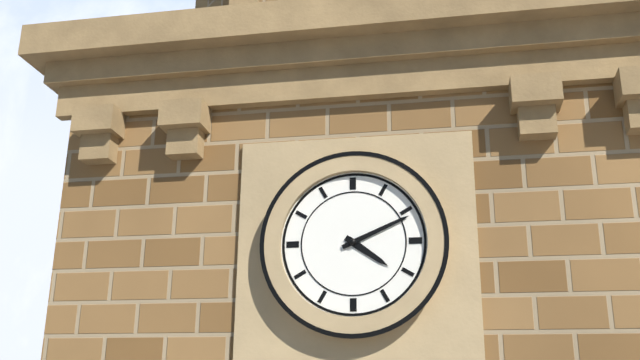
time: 4:11
